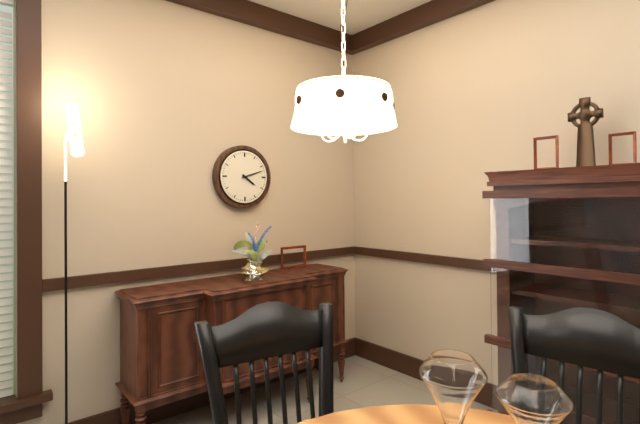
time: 4:12
